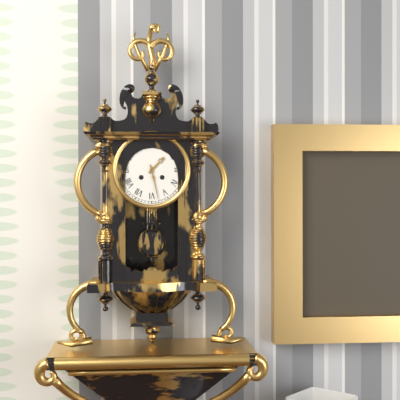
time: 1:28
